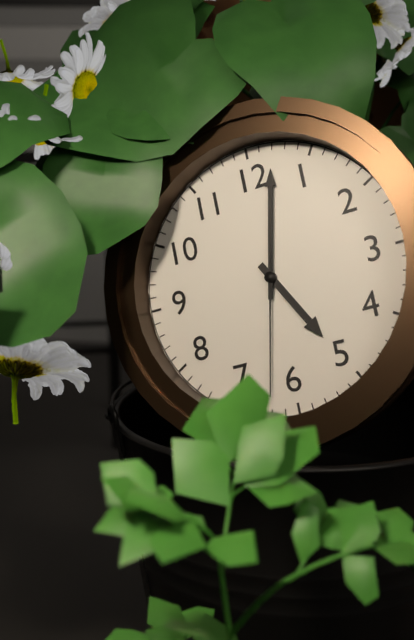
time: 5:02:32
